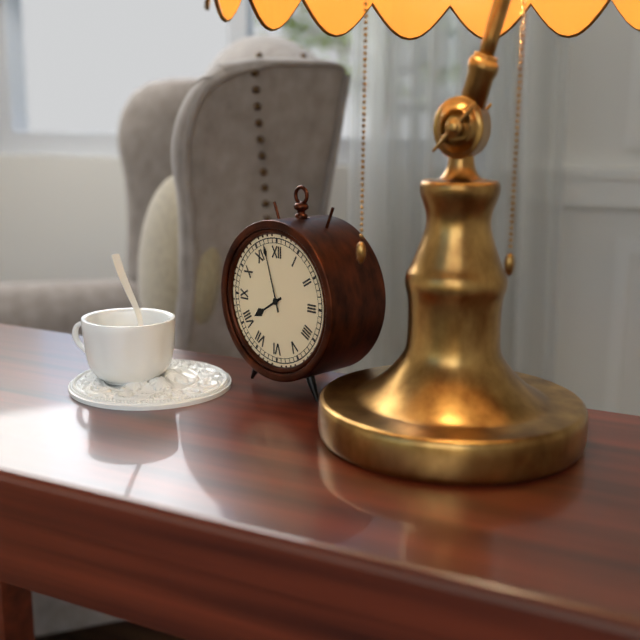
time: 7:57
